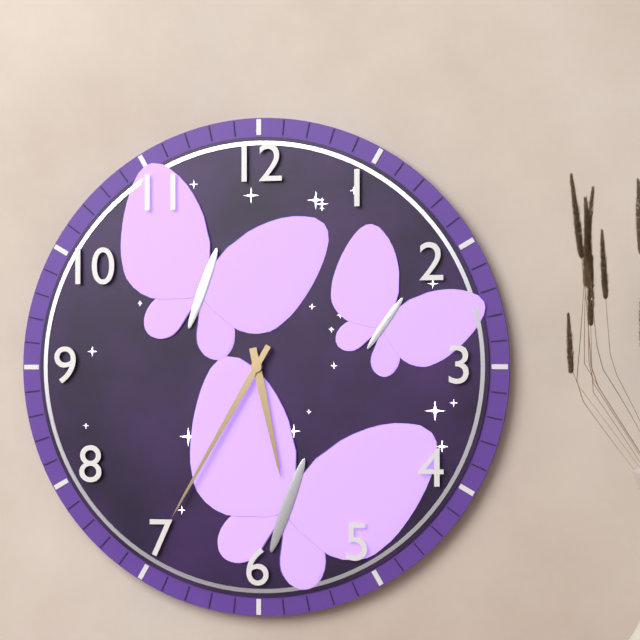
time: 5:35
